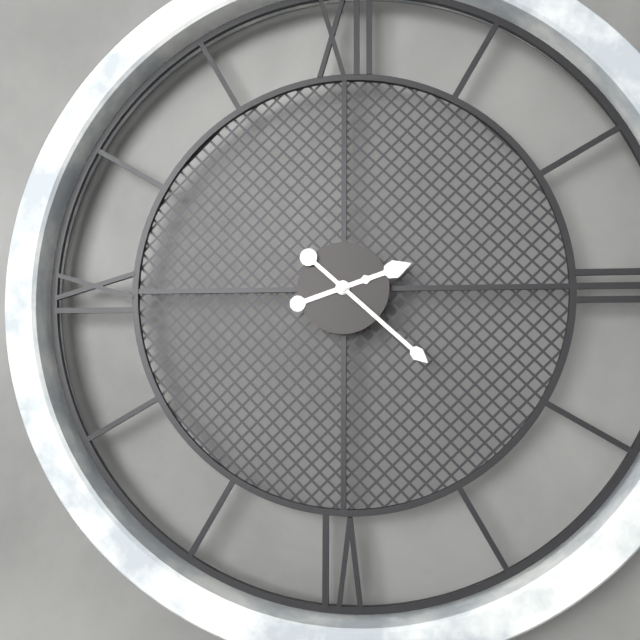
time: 2:22
